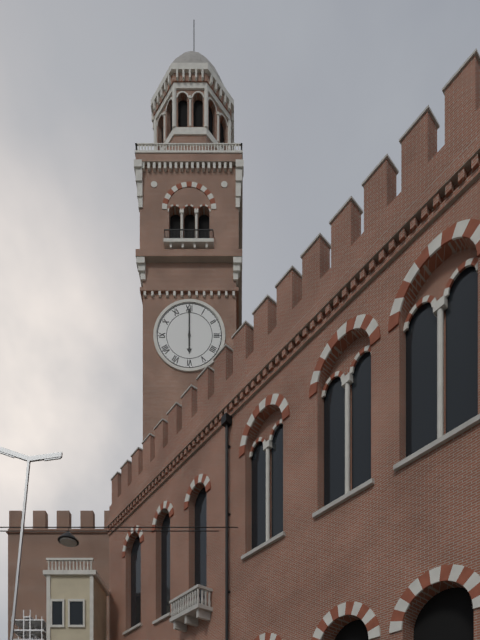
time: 6:00
